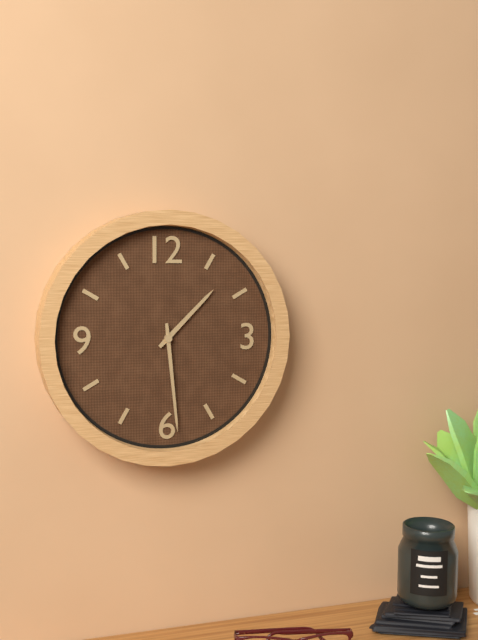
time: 1:29
